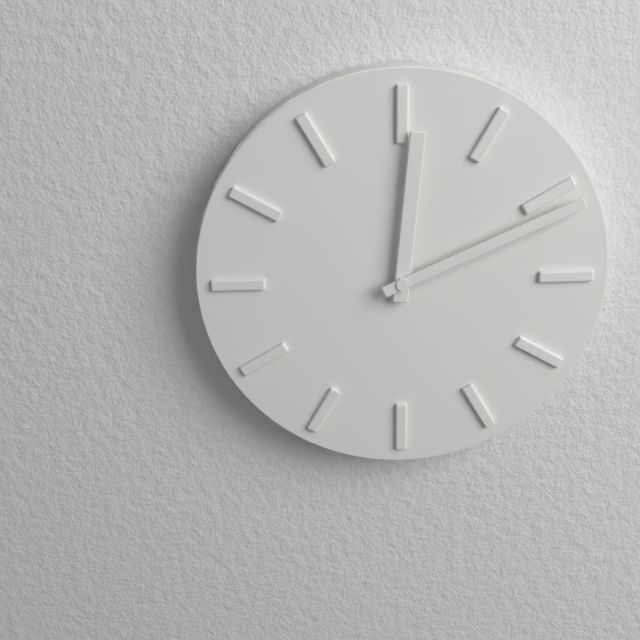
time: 12:11
